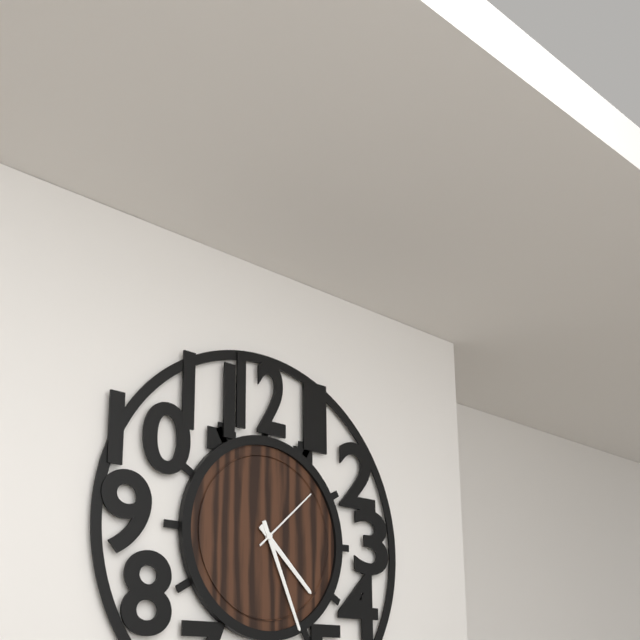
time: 4:26:08
